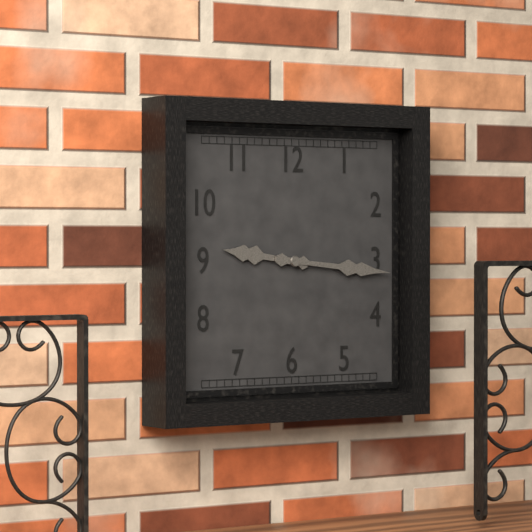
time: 9:16
